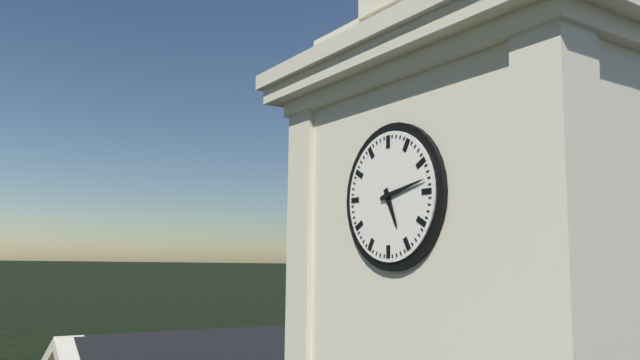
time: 5:13
